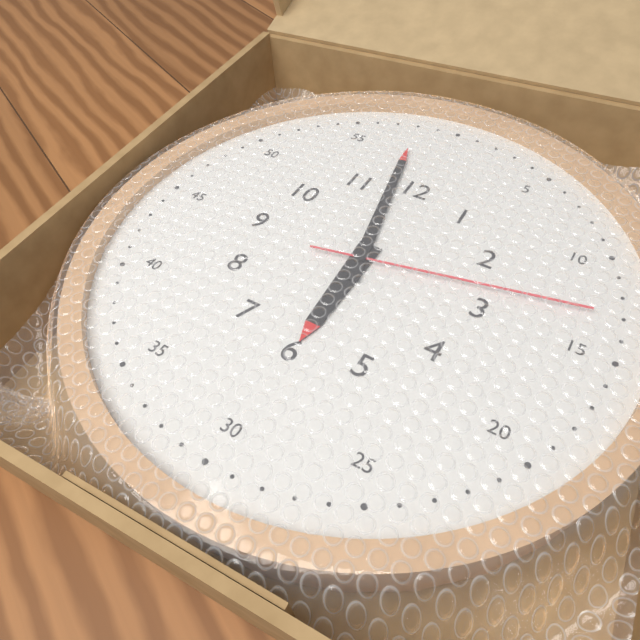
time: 5:58:13
